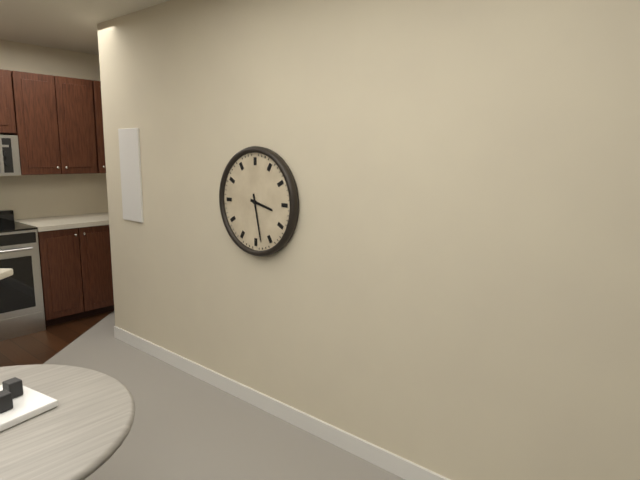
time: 3:28
